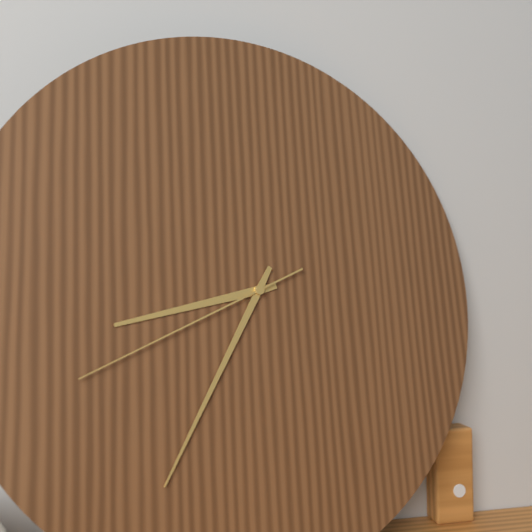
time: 8:35:41
